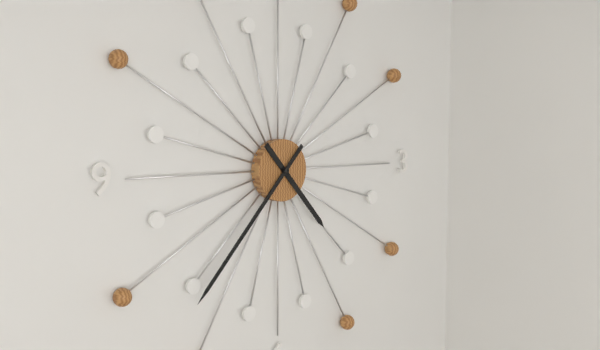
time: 4:37
